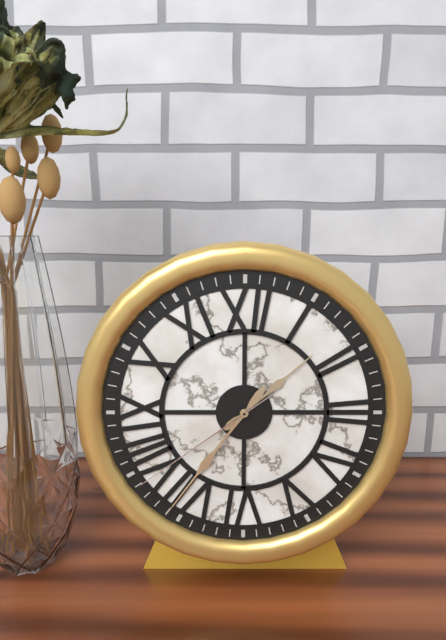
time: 1:36:39
